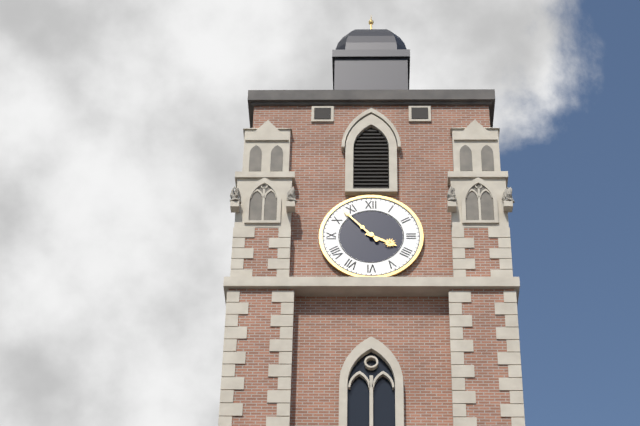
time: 3:53
